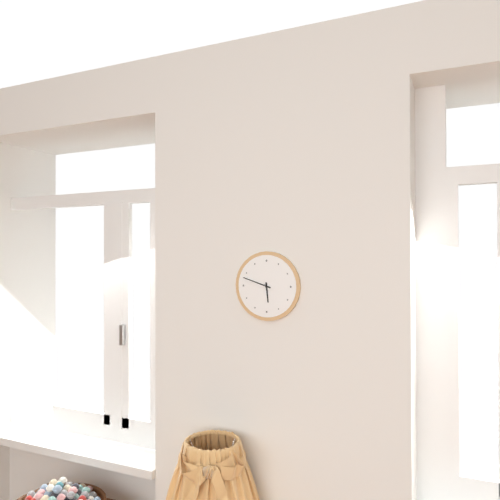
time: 5:48
